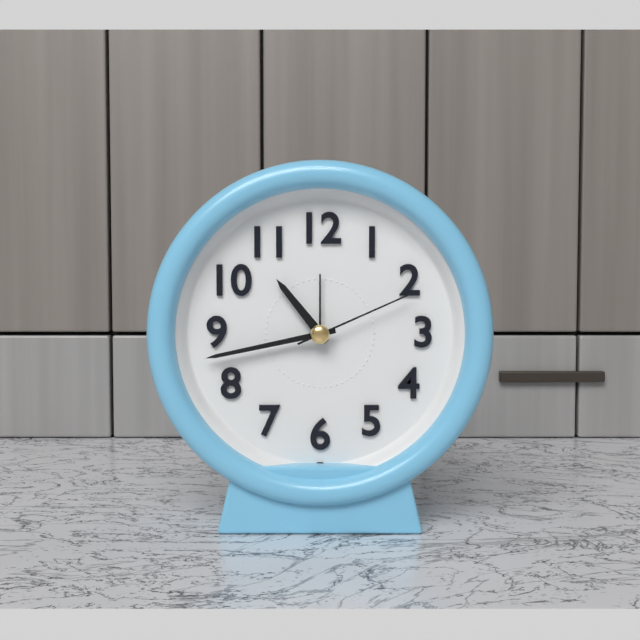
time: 10:43:11
